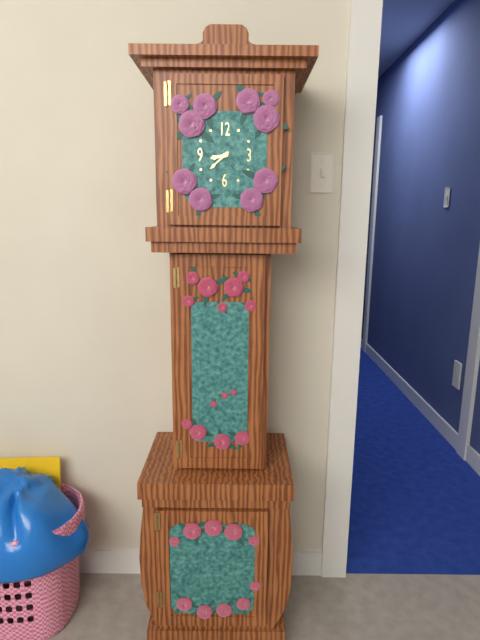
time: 8:38
